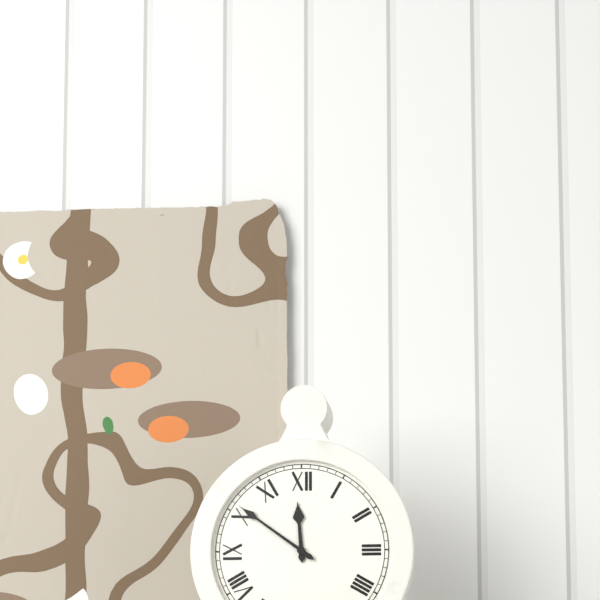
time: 11:51
